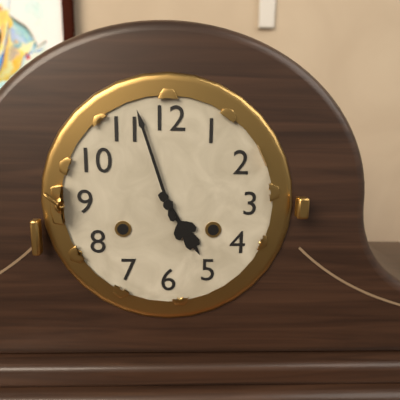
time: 4:57
